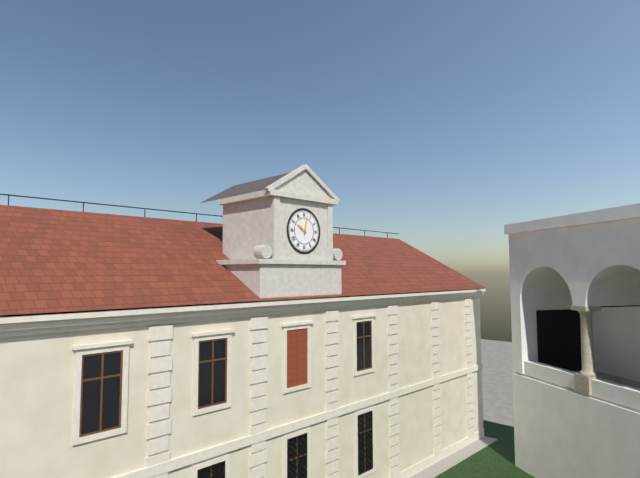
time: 10:02
